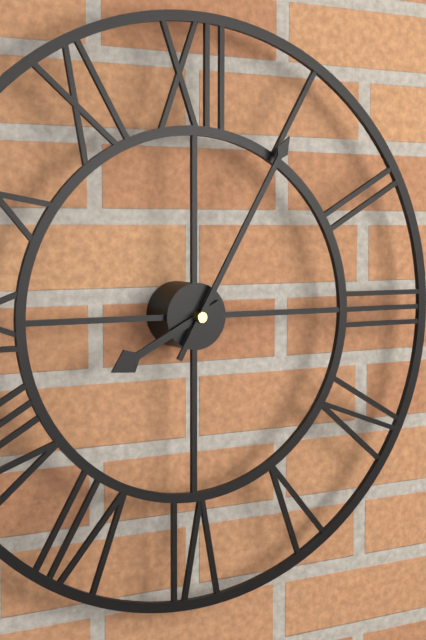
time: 8:05
